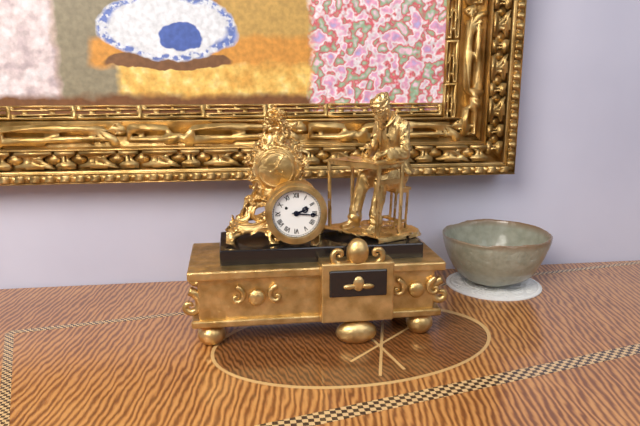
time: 2:16
